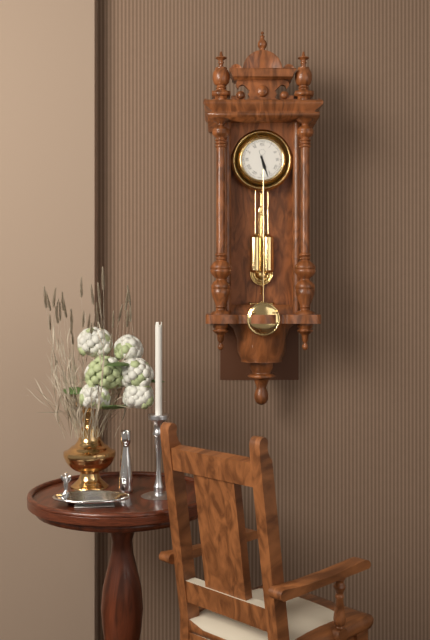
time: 5:27
